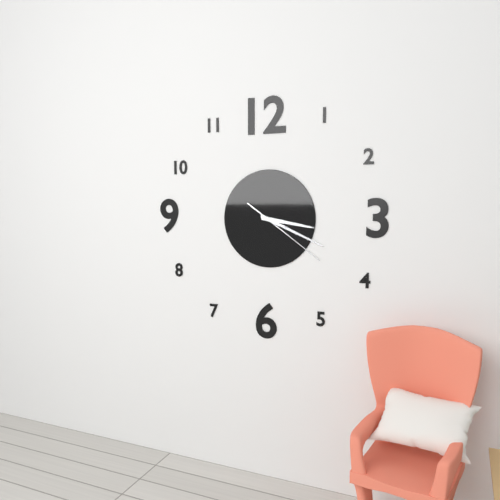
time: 3:19:21
